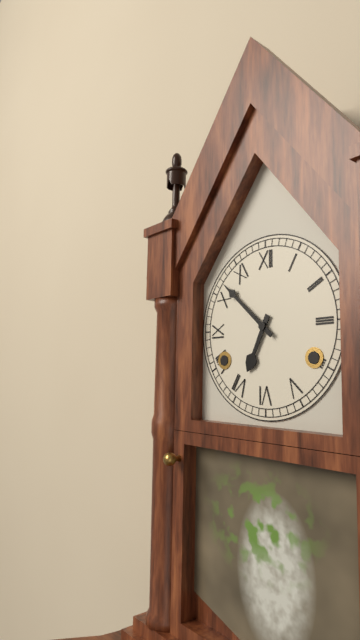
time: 6:52
